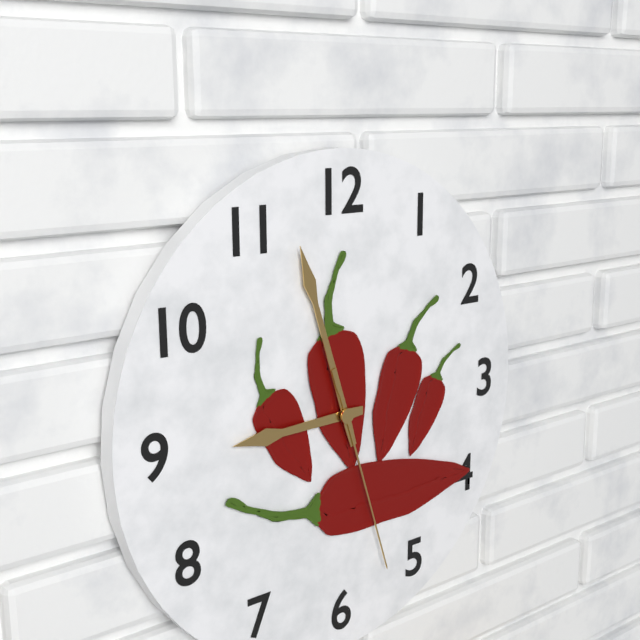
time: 8:57:27
